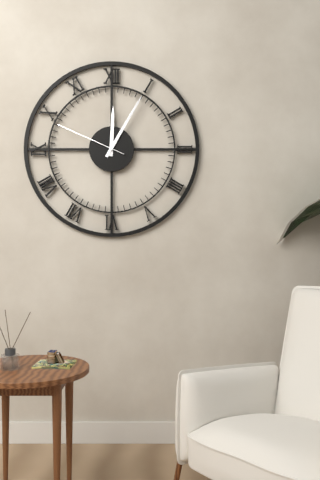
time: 12:05:49
